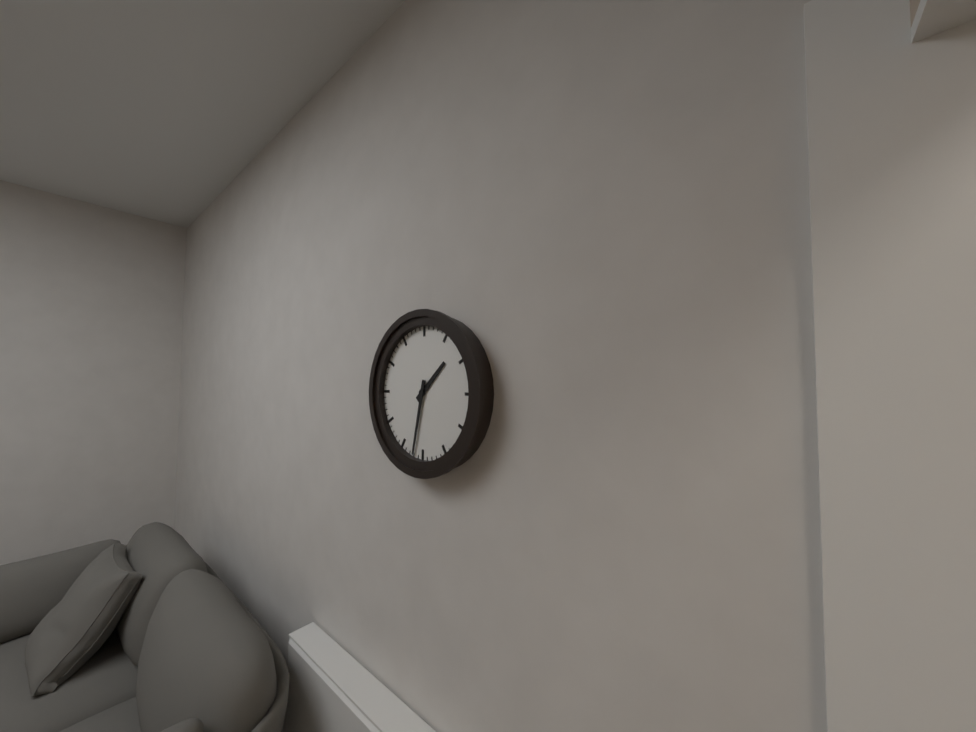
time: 1:32
